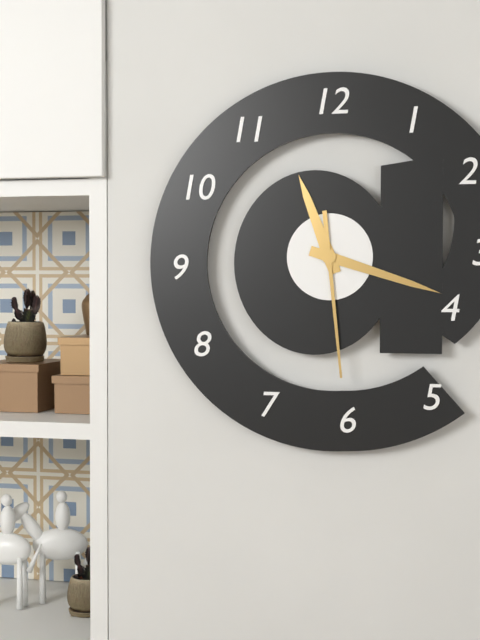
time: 11:18:29
